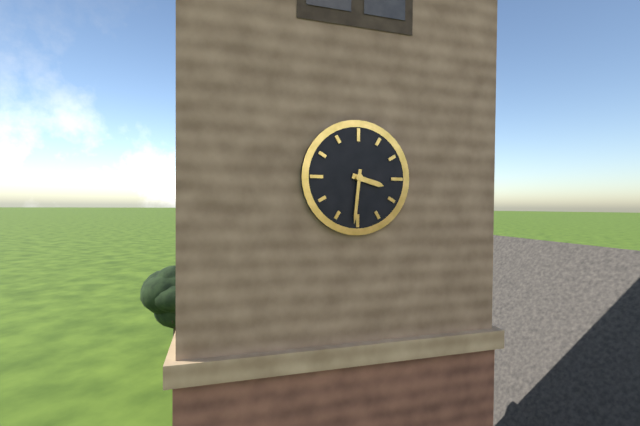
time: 3:31
